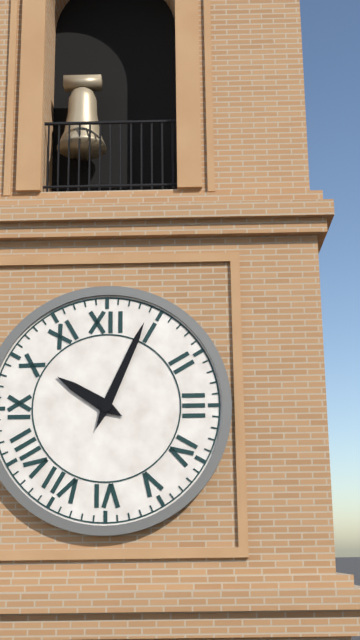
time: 10:04
